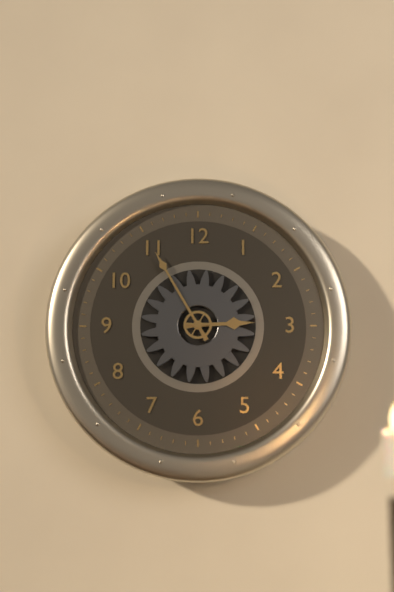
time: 2:55
